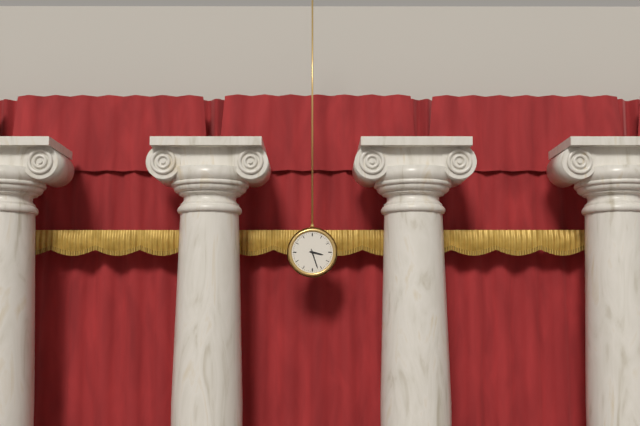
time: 3:27
